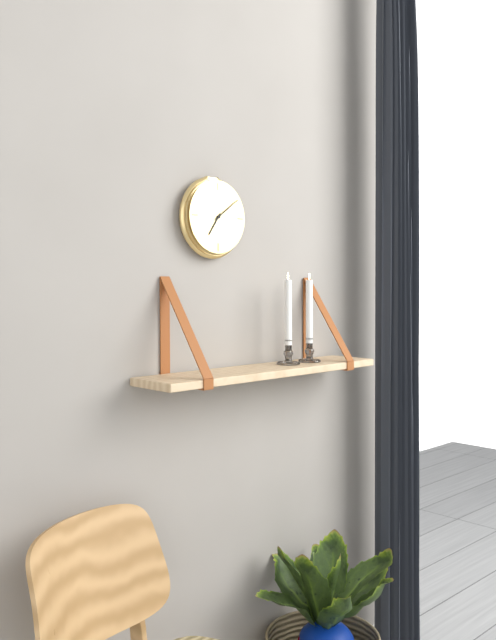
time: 7:09
